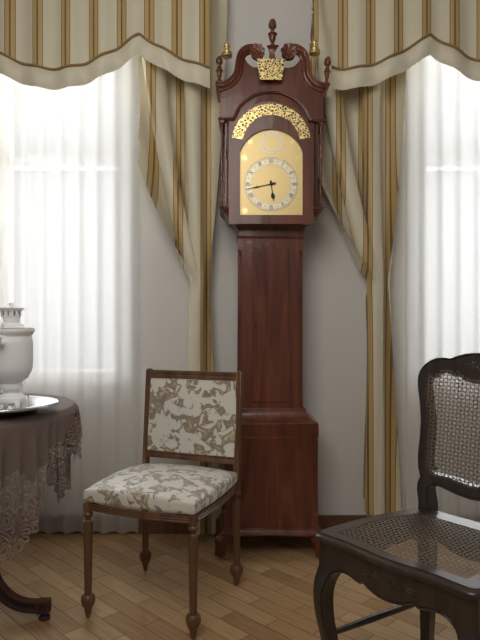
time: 5:43
